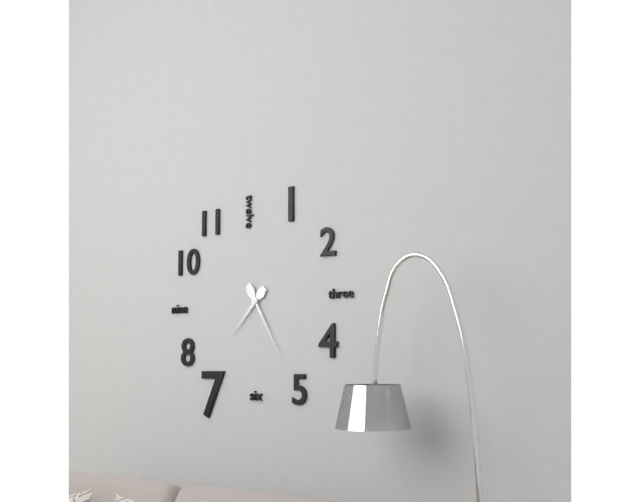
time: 7:25
